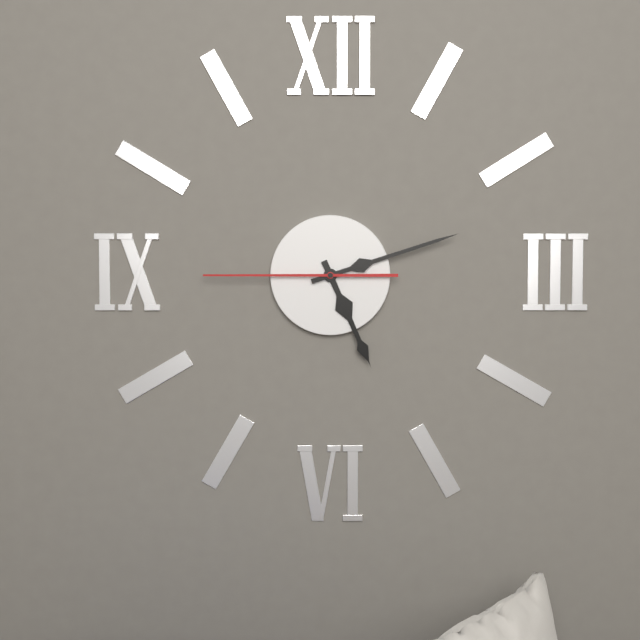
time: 5:12:45
